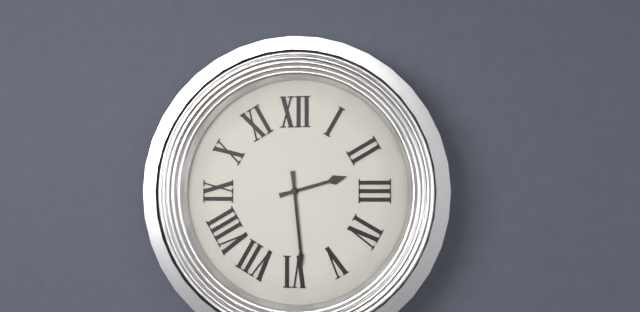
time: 2:29
